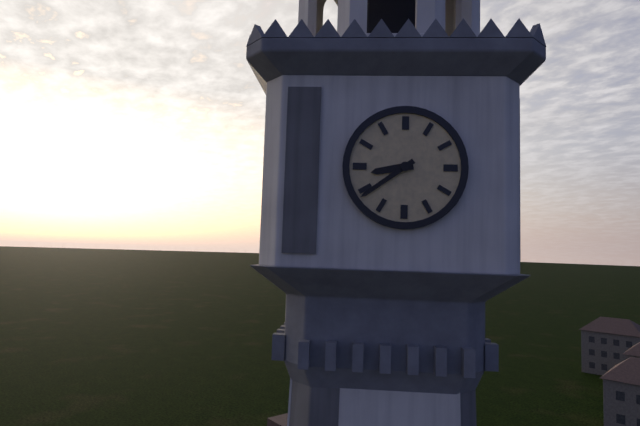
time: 8:39
